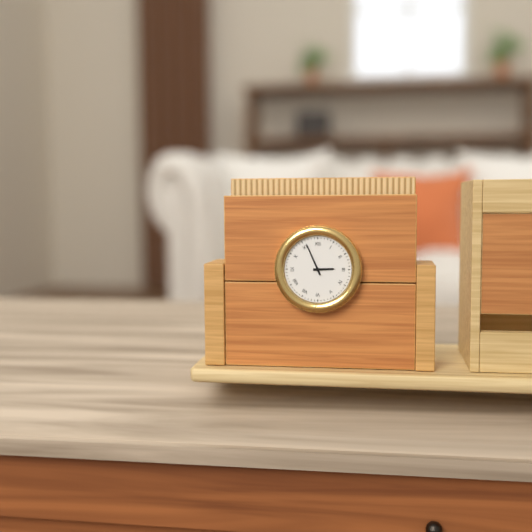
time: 2:56
